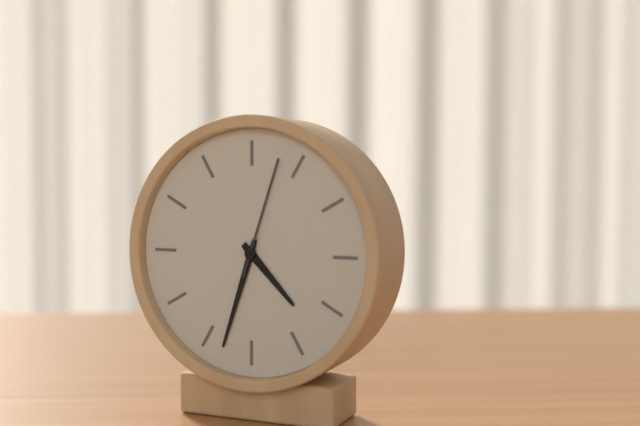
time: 4:33:03
